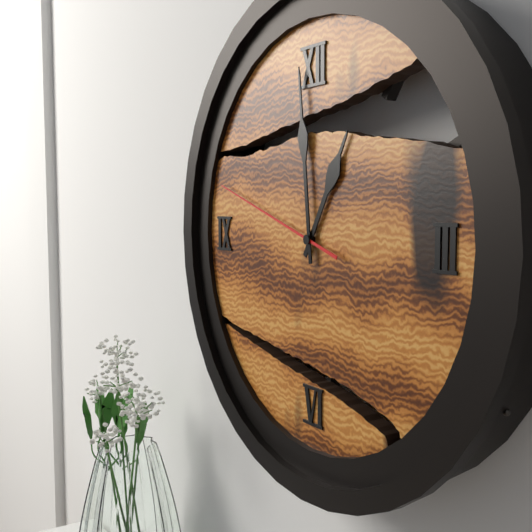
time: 12:59:48
